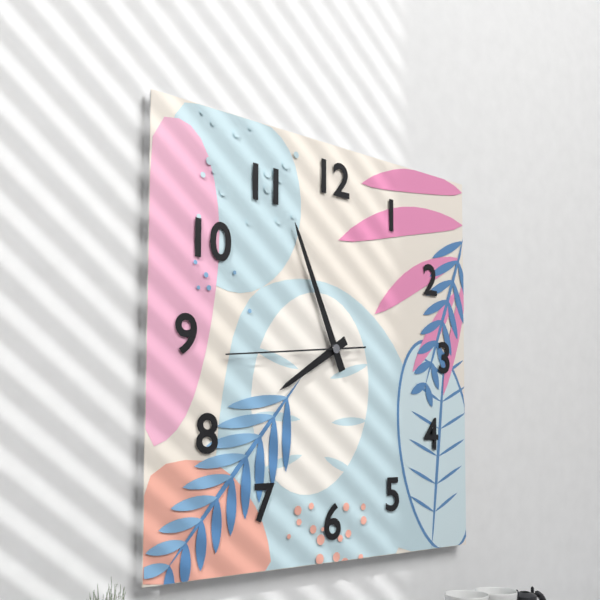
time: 7:56:44
